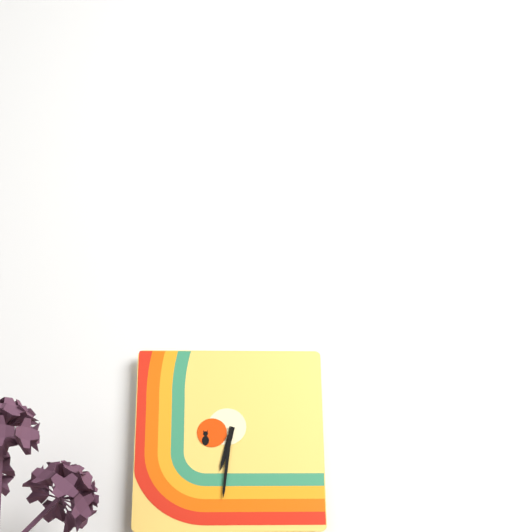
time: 6:31
